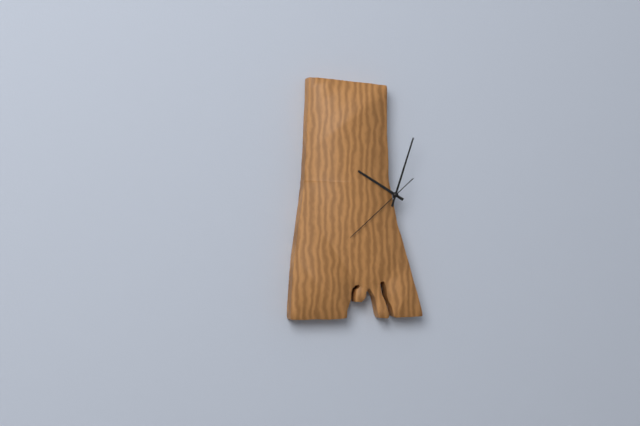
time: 10:03:38
